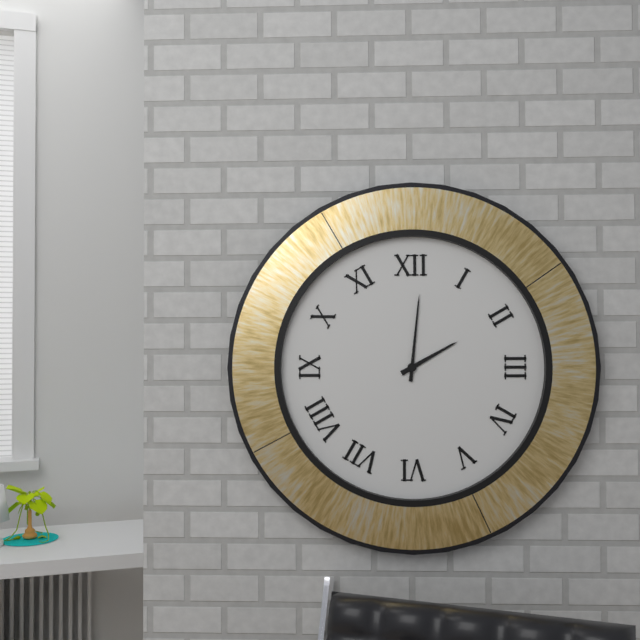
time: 2:01
